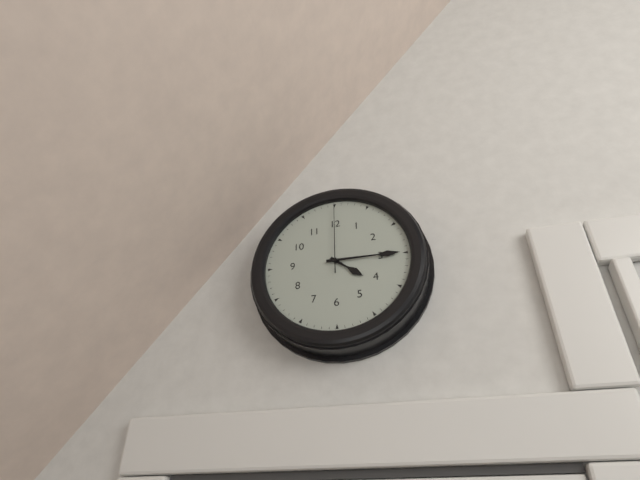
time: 4:15:00
